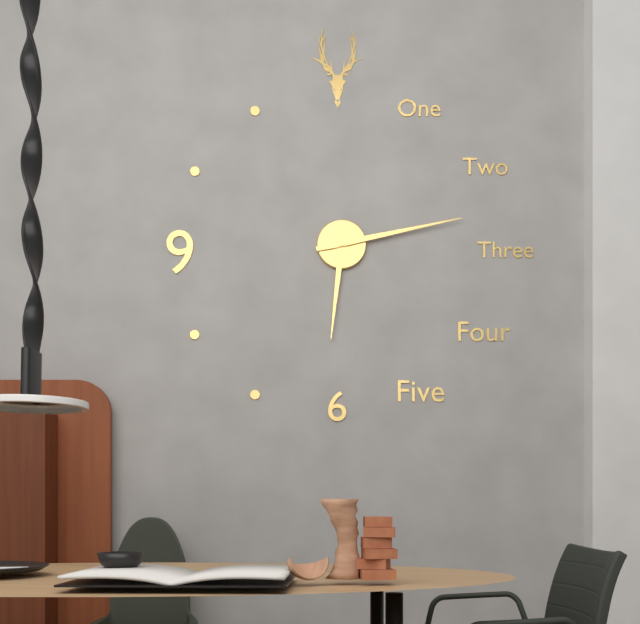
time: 6:13
